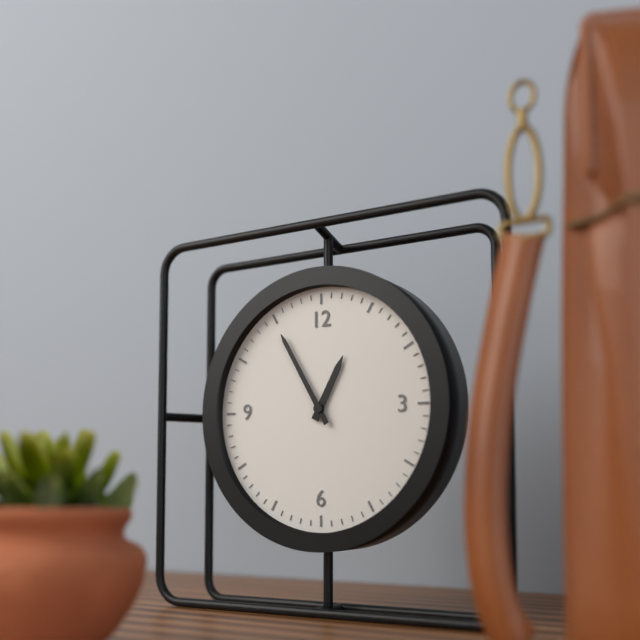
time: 12:55
